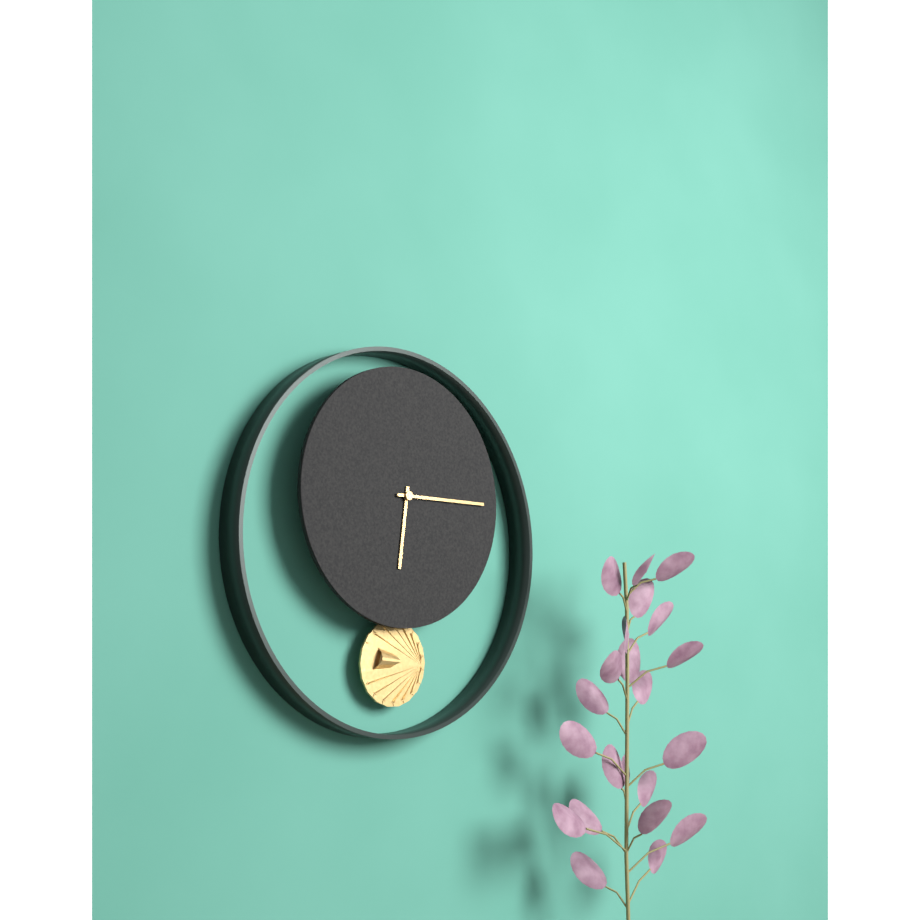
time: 6:15
